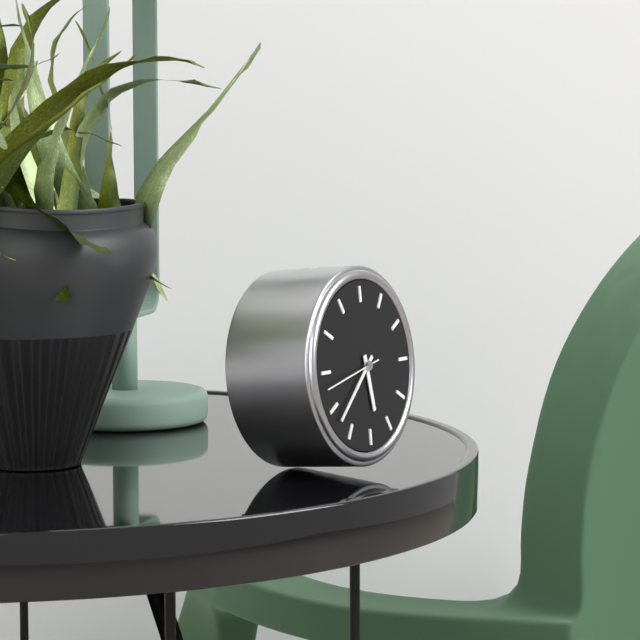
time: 5:38:43
